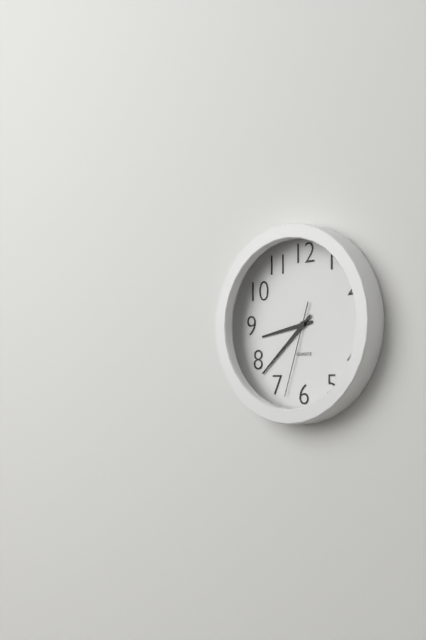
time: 8:38:33
